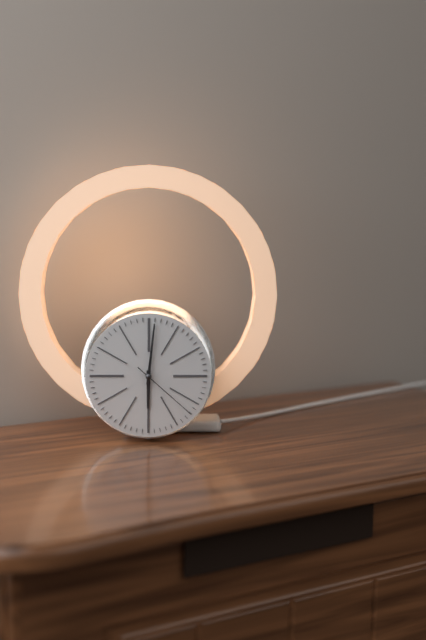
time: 6:01:22
